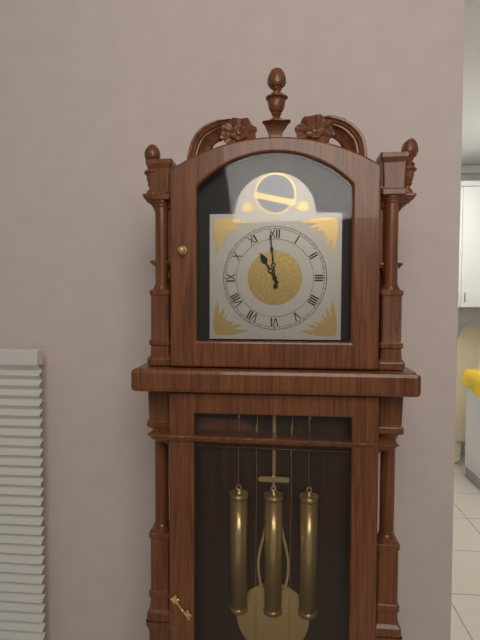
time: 10:59
